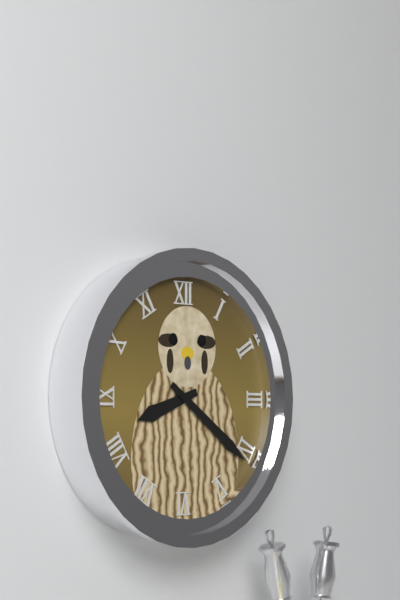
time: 8:21
